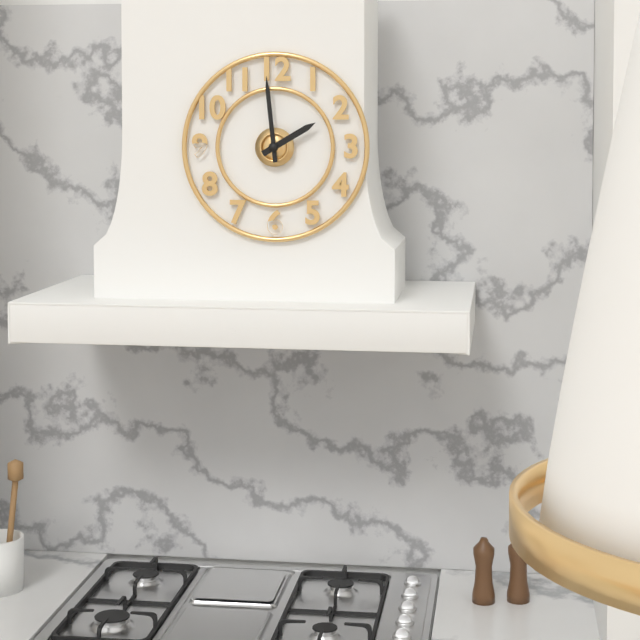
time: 1:59
